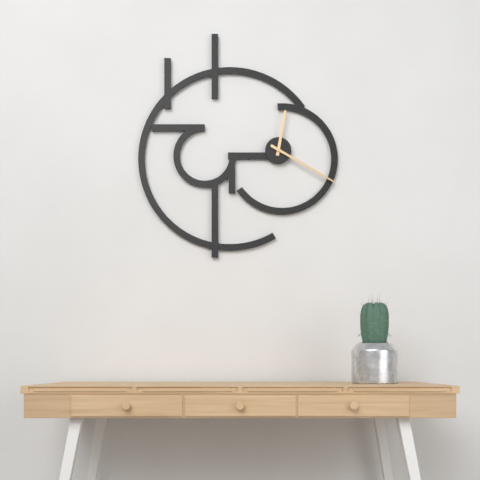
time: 12:20
